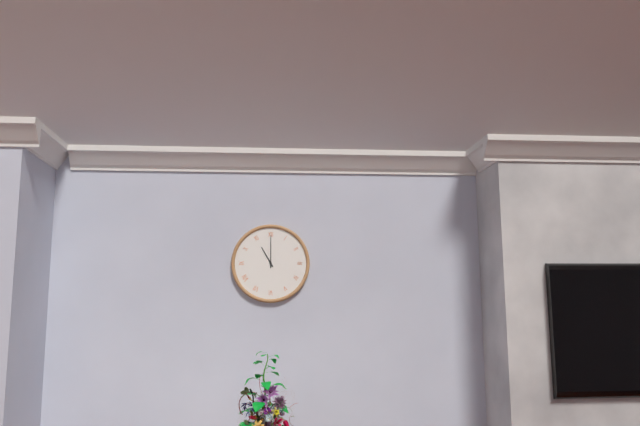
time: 11:00
